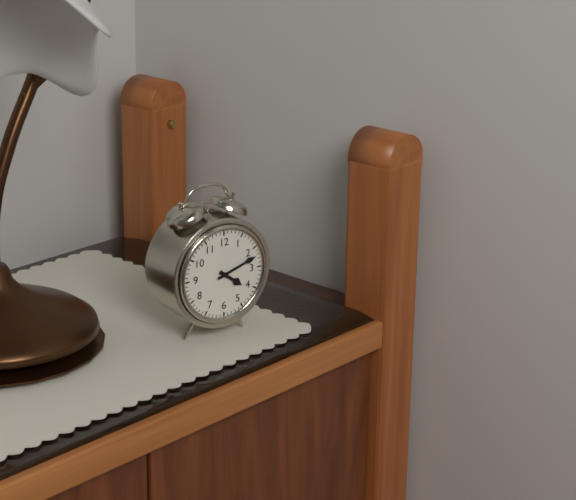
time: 4:12
